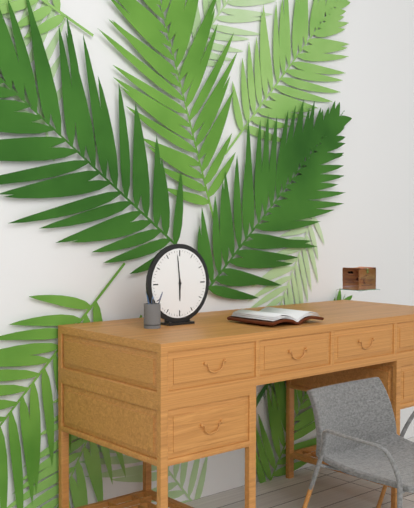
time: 5:59
